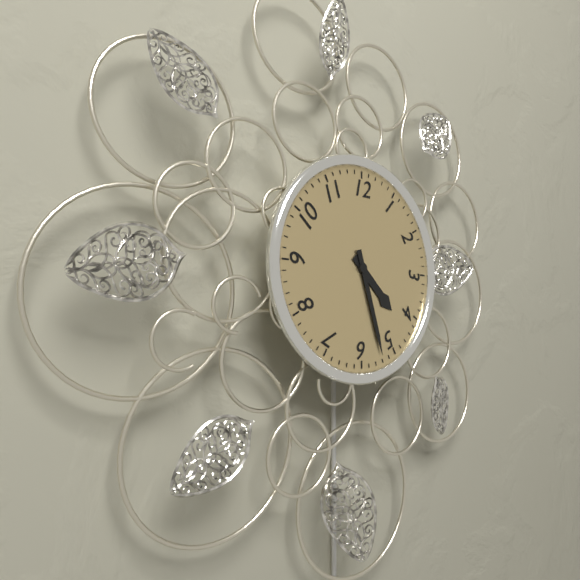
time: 4:27
